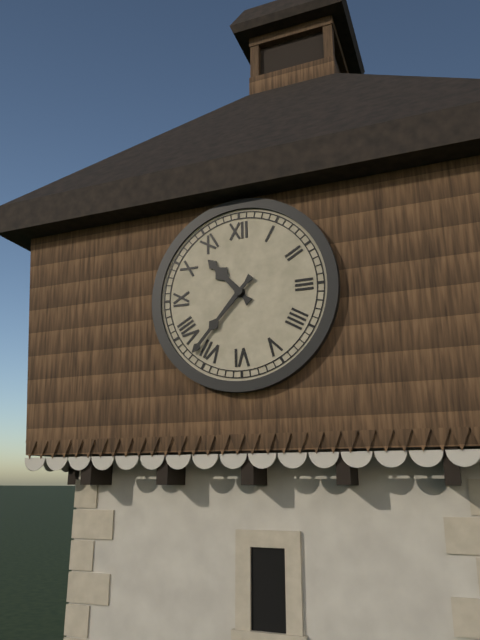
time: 10:37
